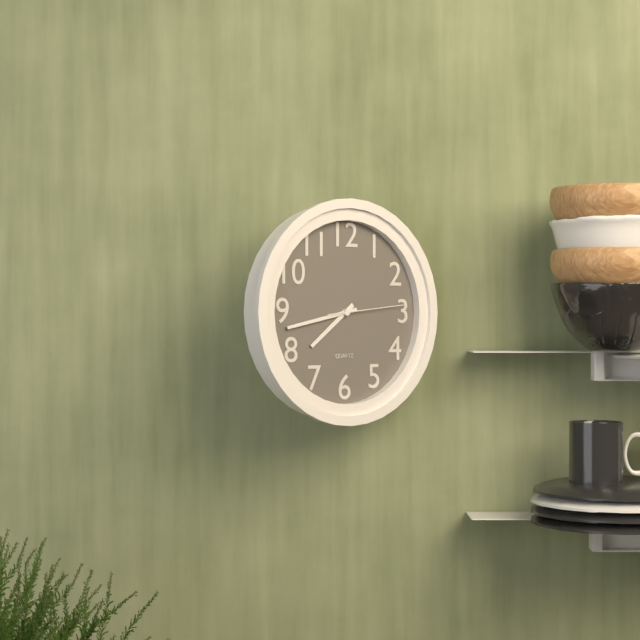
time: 7:43:14
